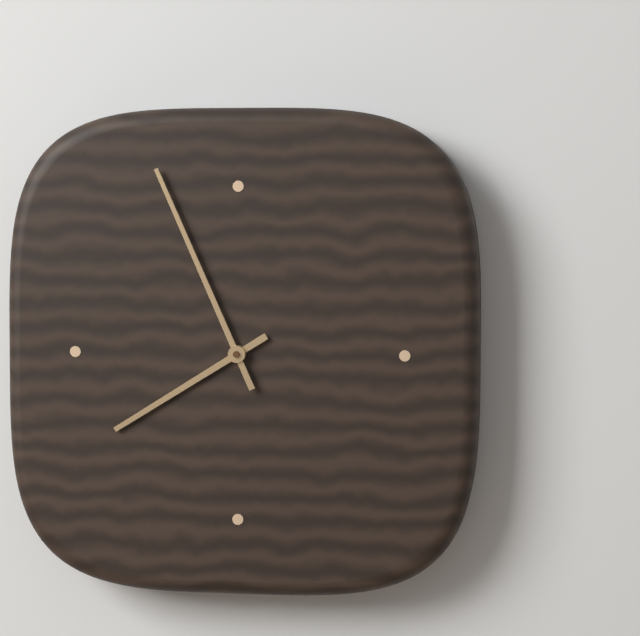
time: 7:56
